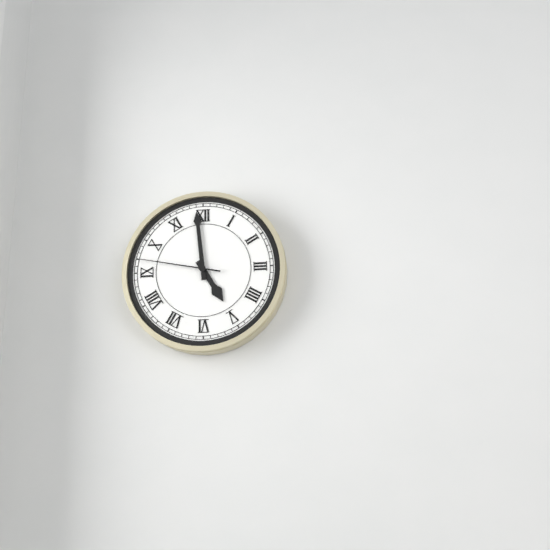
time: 4:59:47
